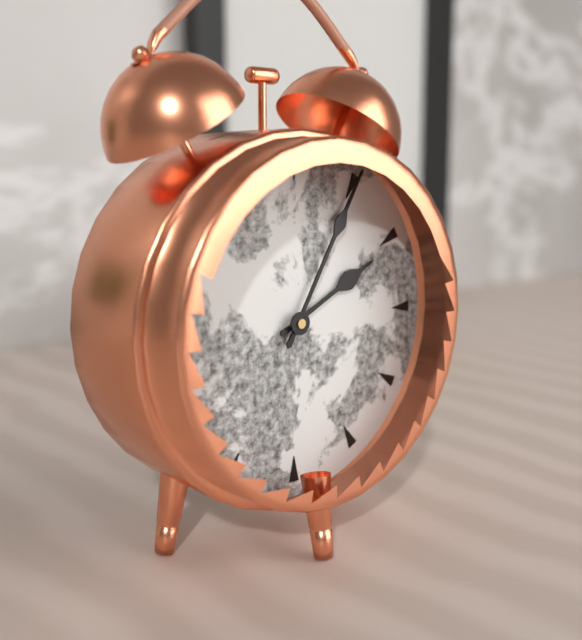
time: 2:05
